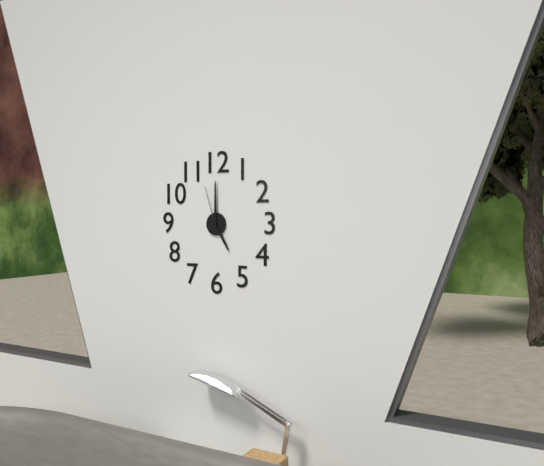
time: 5:00:57
